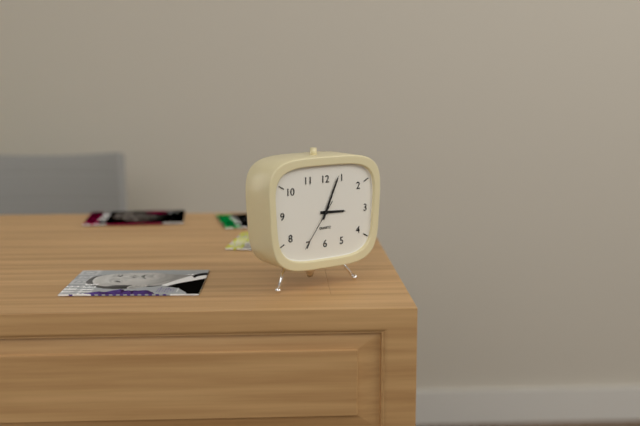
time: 3:04:36
